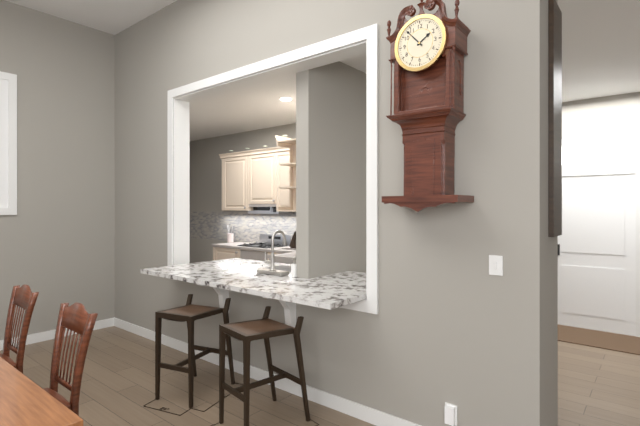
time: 1:53
